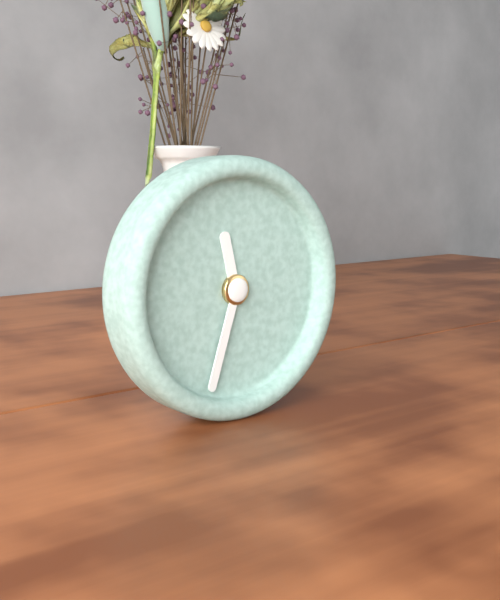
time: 11:33
